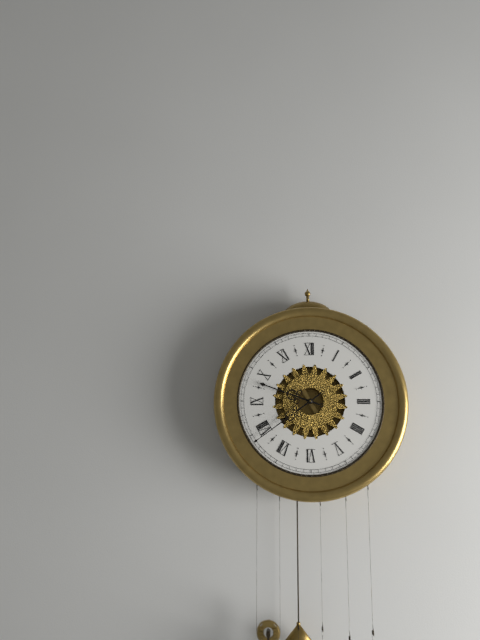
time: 9:39
